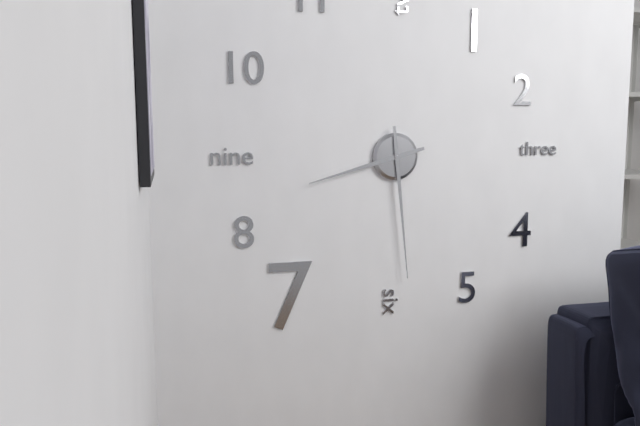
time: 8:29
